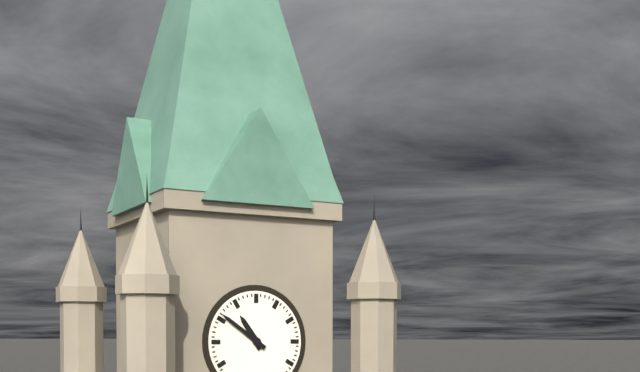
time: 10:51
